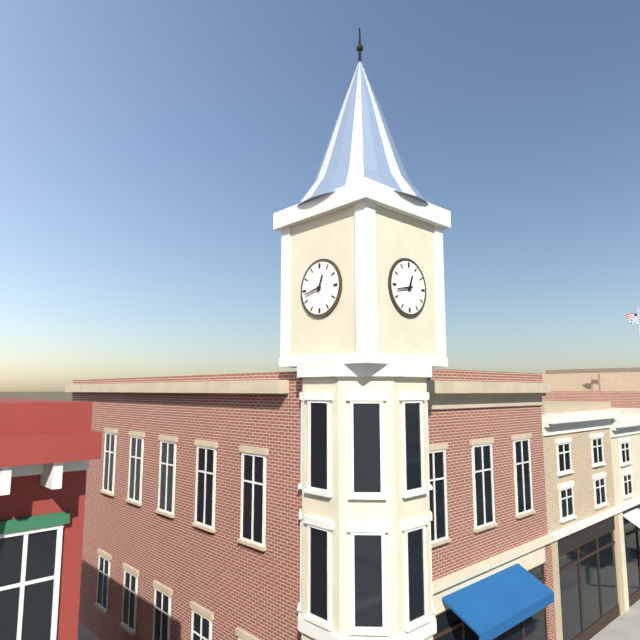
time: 12:43
